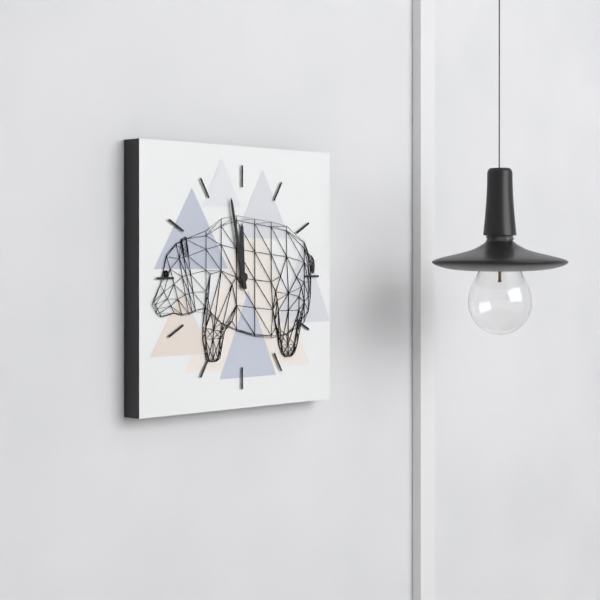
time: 11:58
